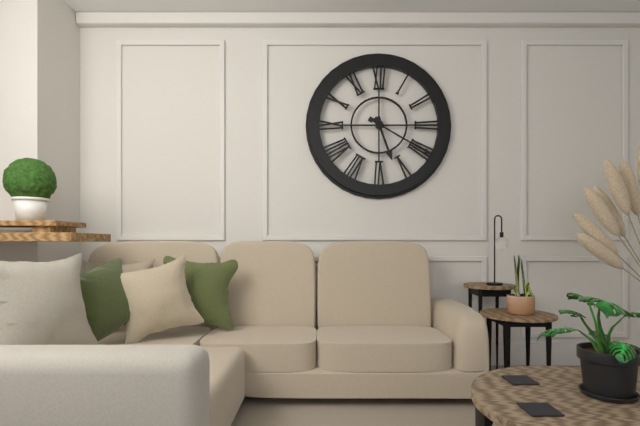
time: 5:20
